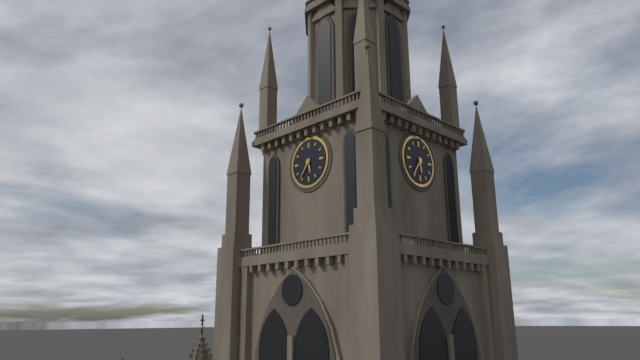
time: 5:36
